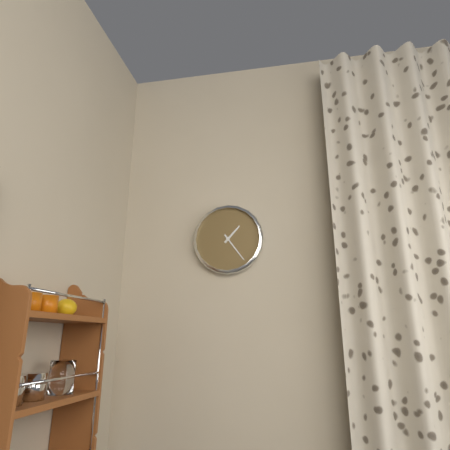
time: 1:24
